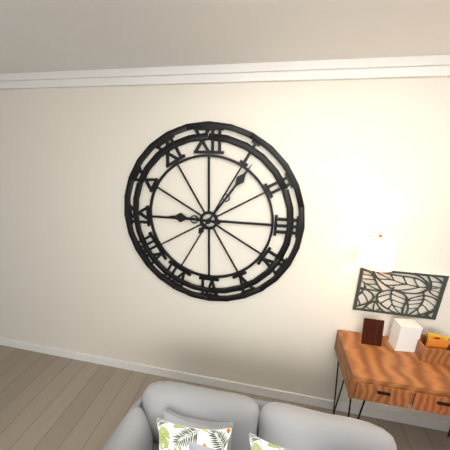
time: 9:06
